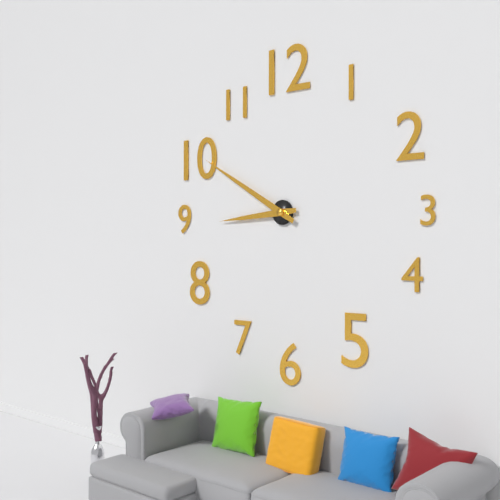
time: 8:50
